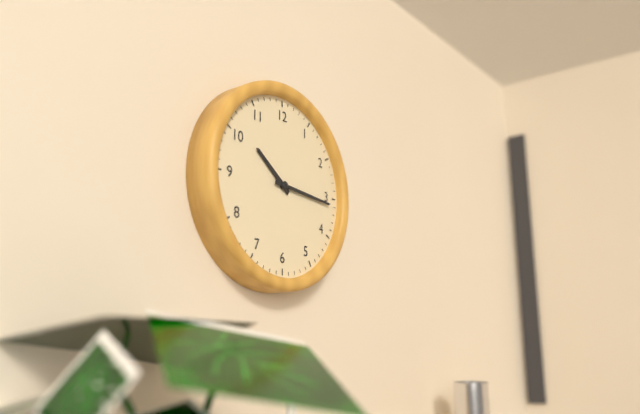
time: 10:16
